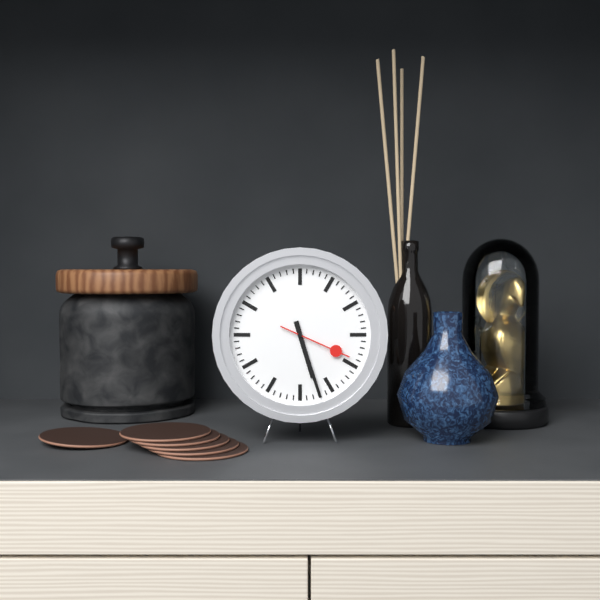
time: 5:27:19
